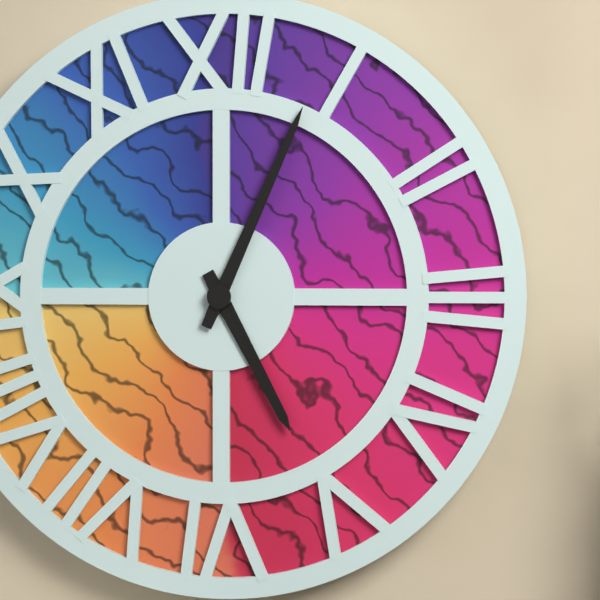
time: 5:04
